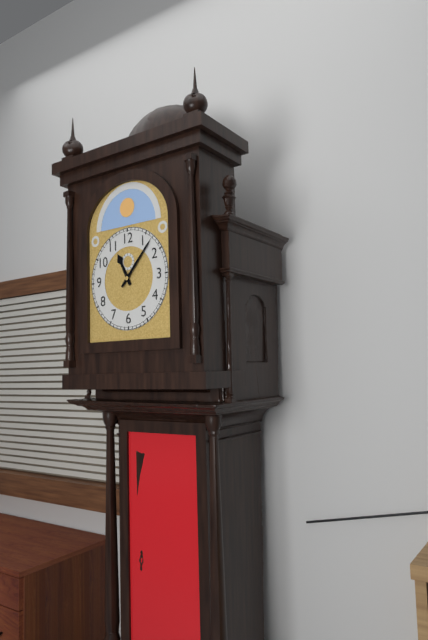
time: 11:07
